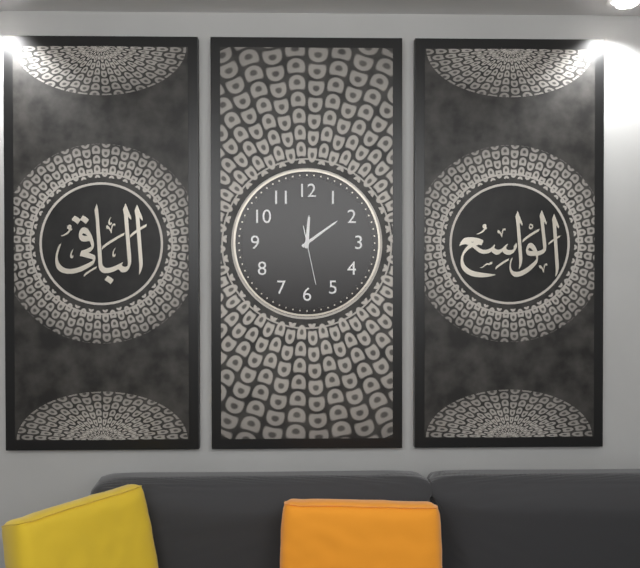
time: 12:09:28
